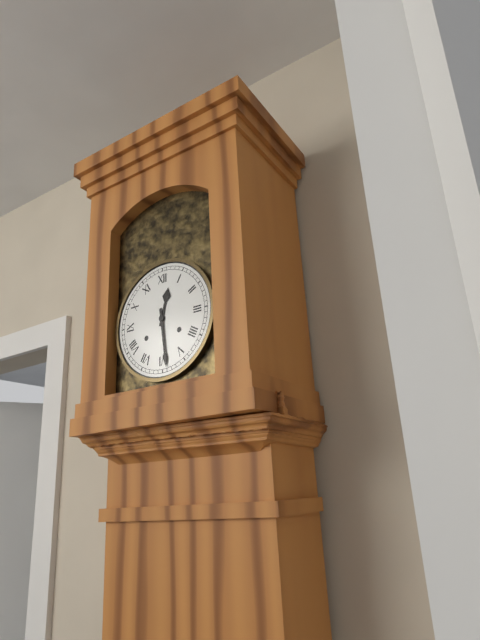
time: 12:29
